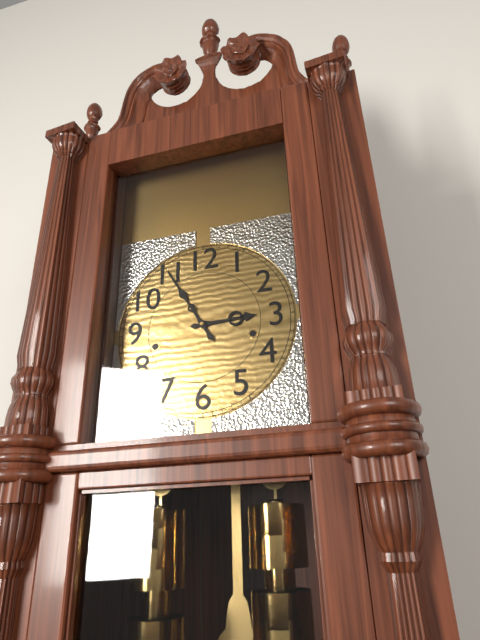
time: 2:55
